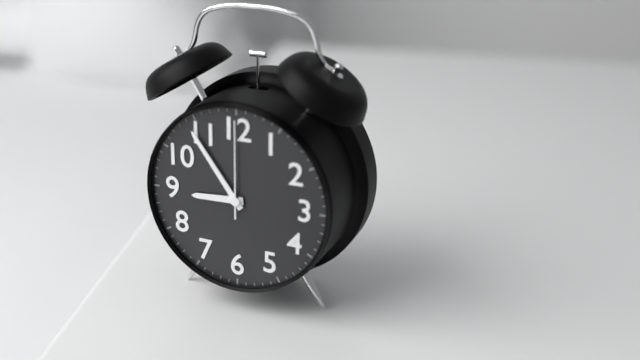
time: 8:54:00
